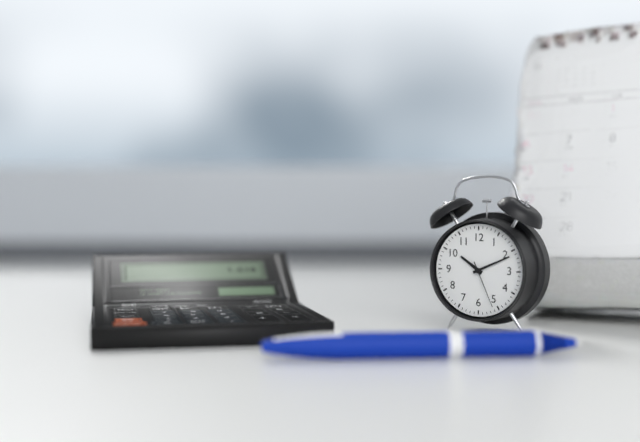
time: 10:11
